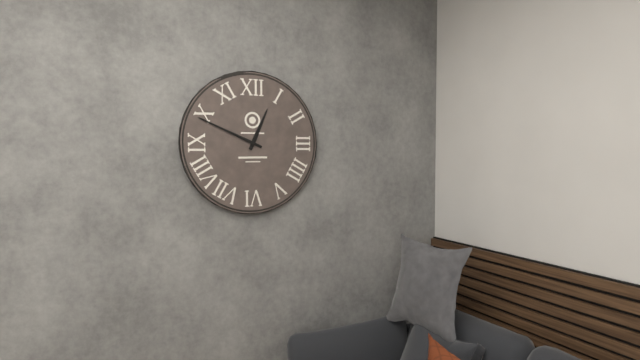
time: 12:49
